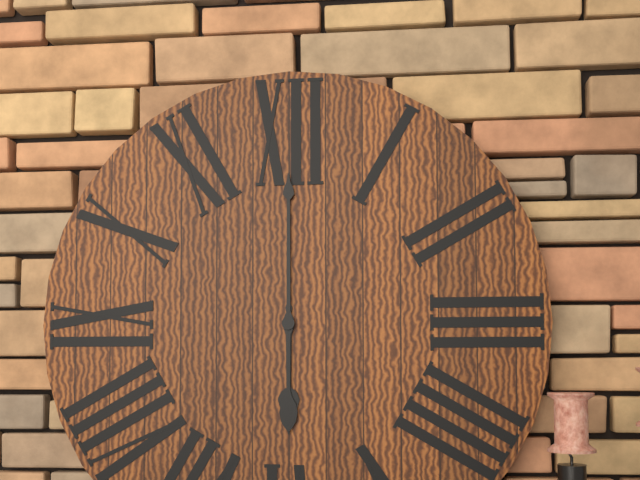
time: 6:00
